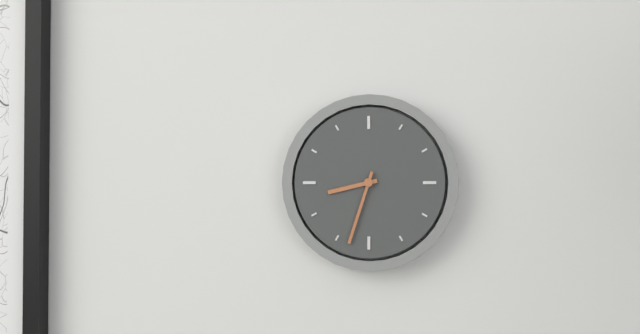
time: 8:33
